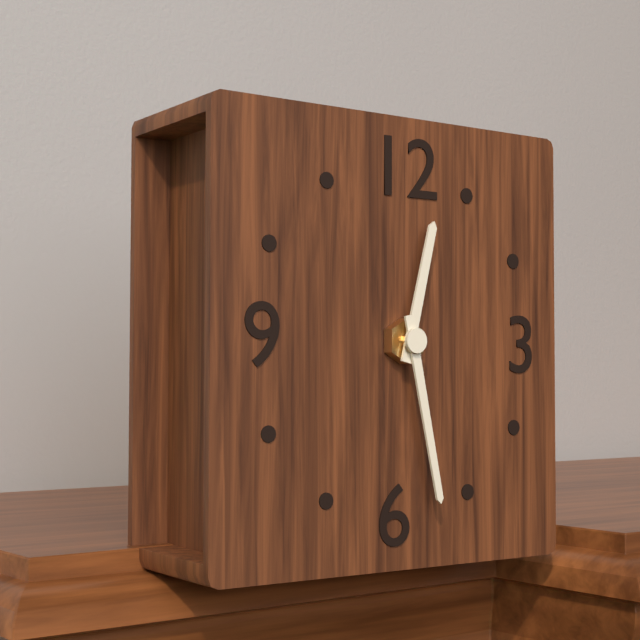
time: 12:28
